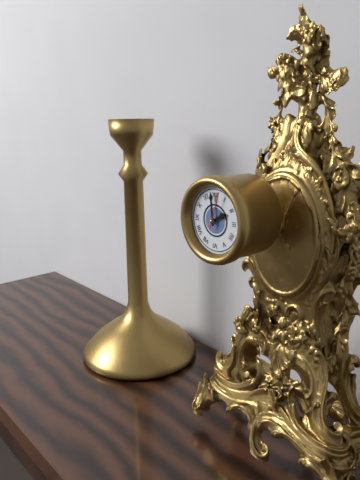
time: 1:59
